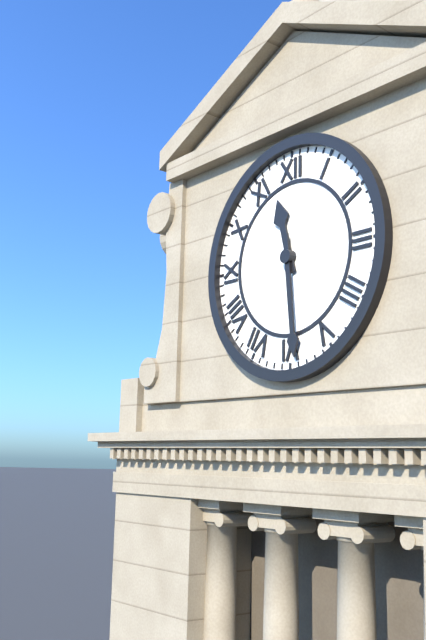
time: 11:29
